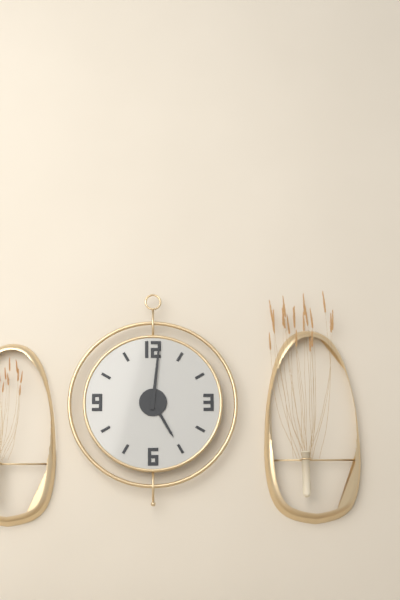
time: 5:01
